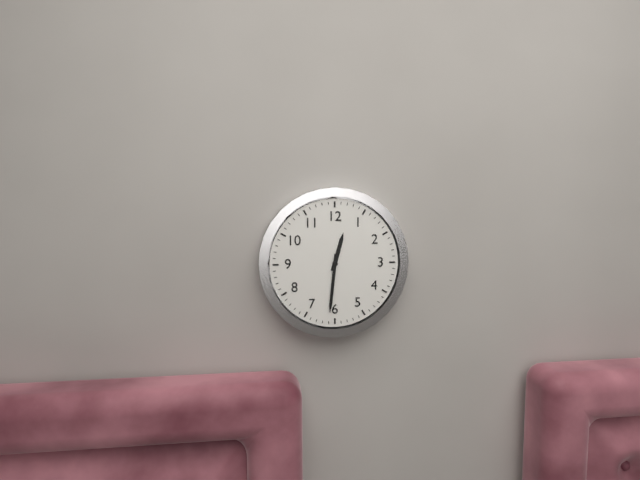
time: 12:31
